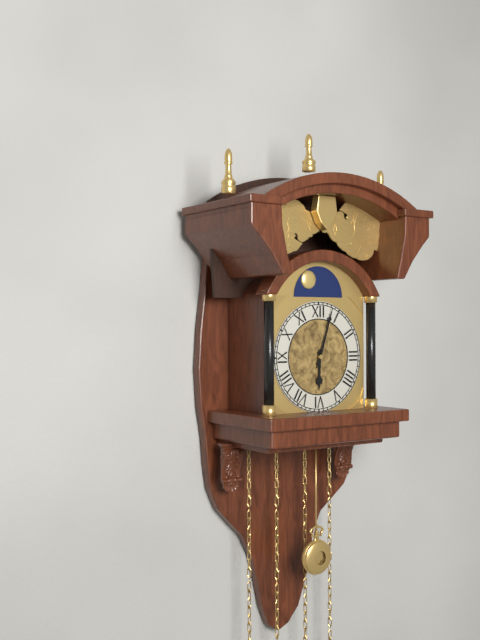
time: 6:03
